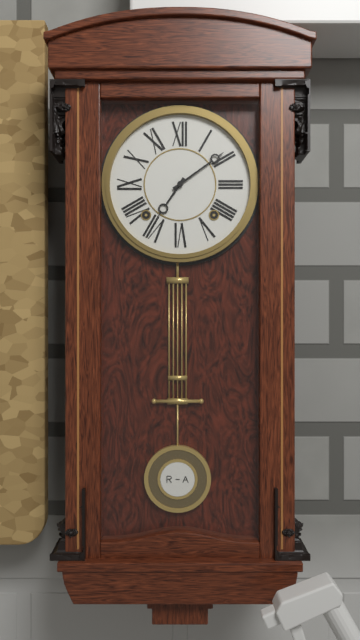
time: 7:09
